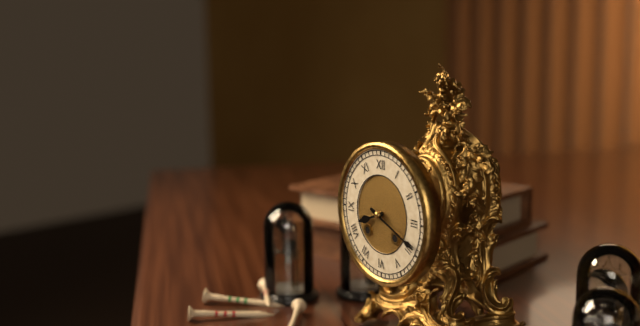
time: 8:19
